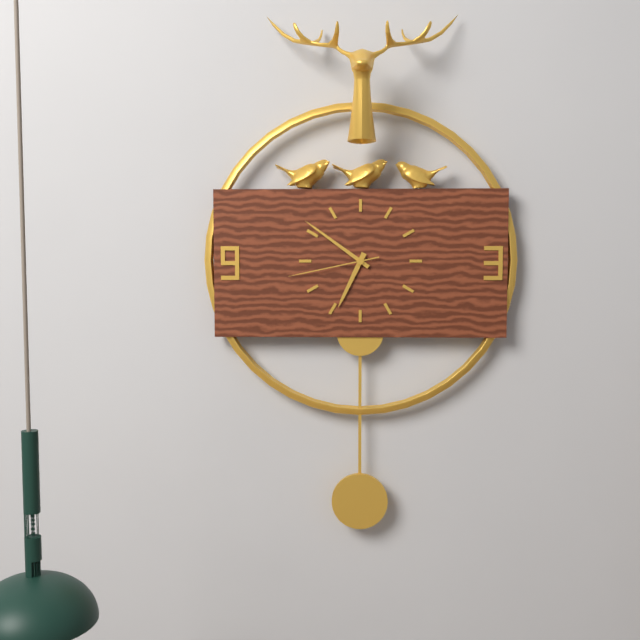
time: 6:51:43
